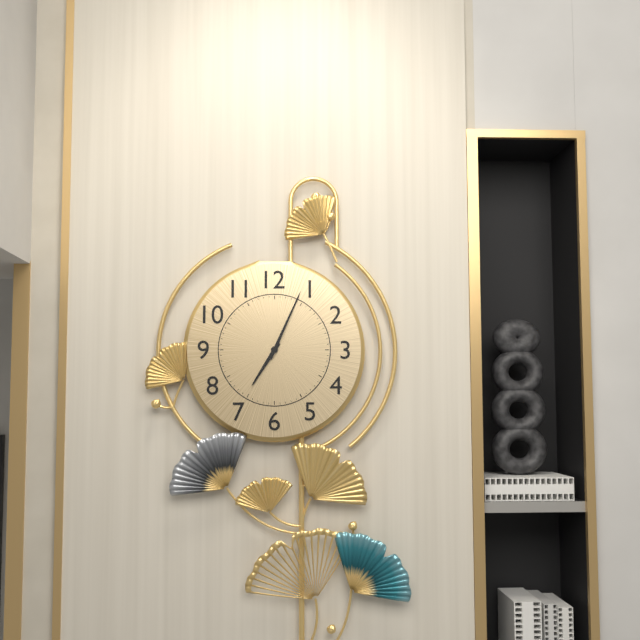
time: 7:04
